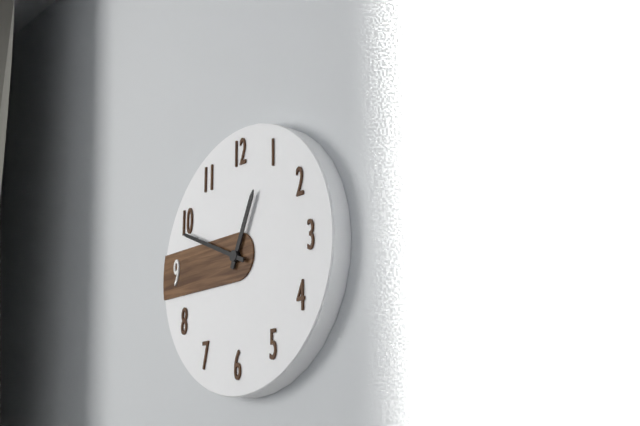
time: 12:49
